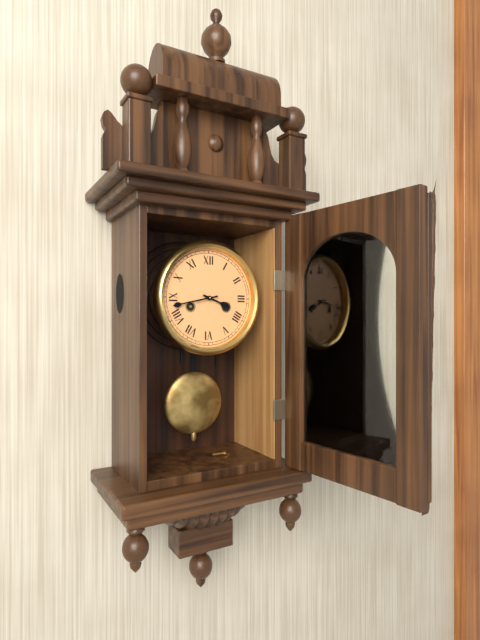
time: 3:43
